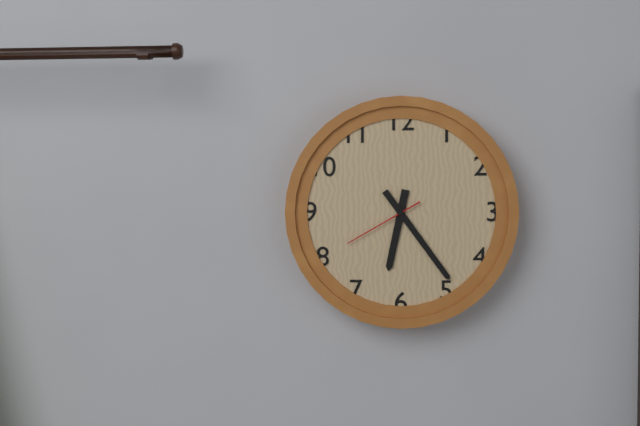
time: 6:24:40
